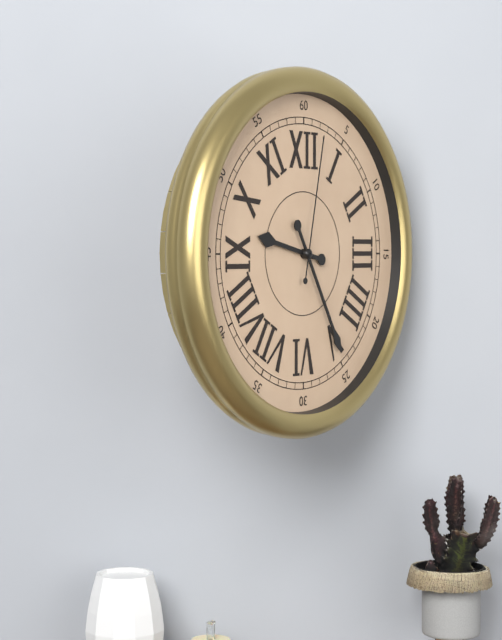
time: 9:25:02
